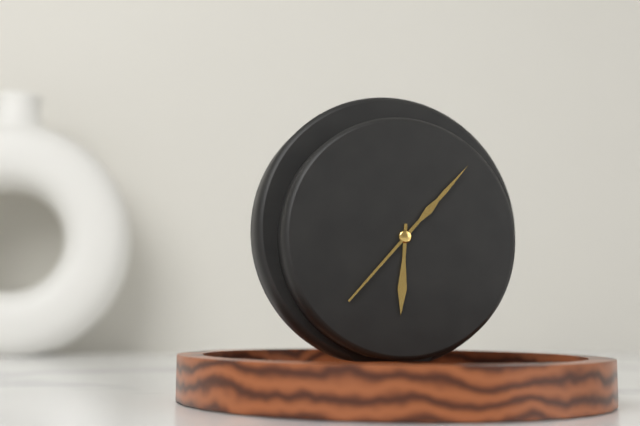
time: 6:07
